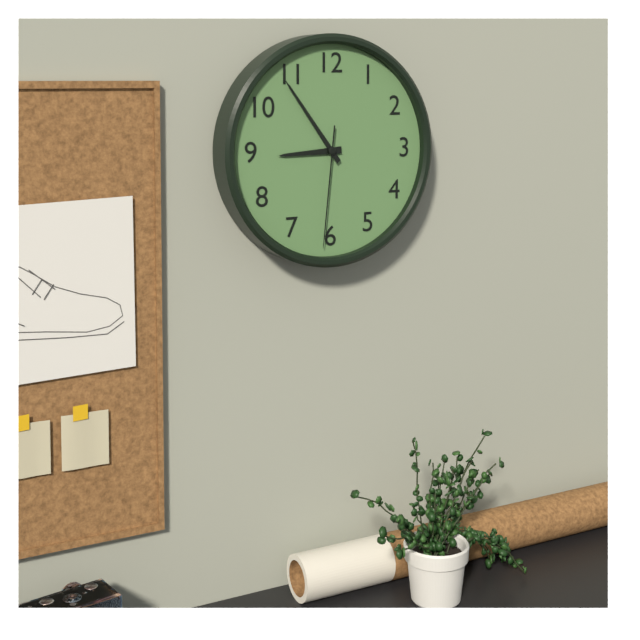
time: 8:54:31
